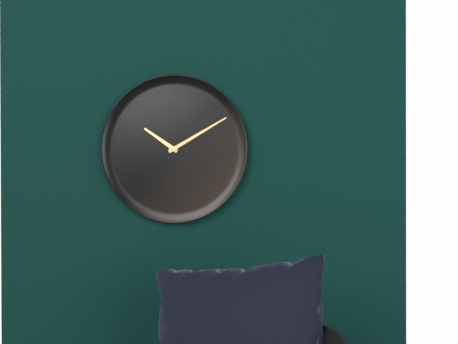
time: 10:10
